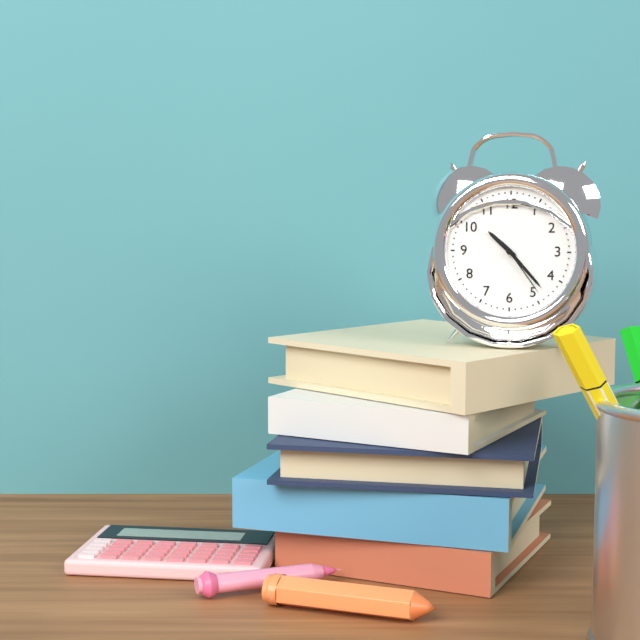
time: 10:23:24
